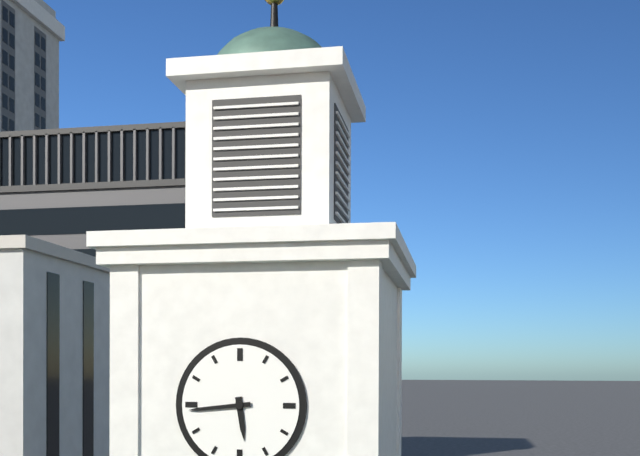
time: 5:44
